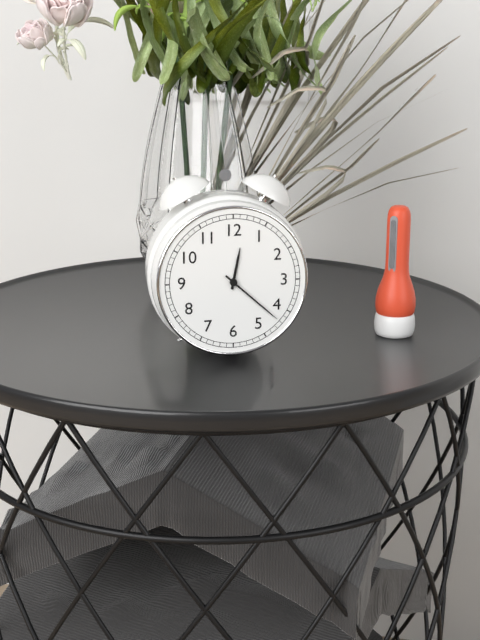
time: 12:22
